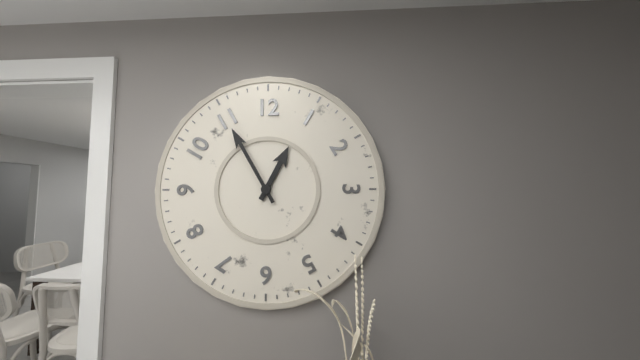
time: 12:55
